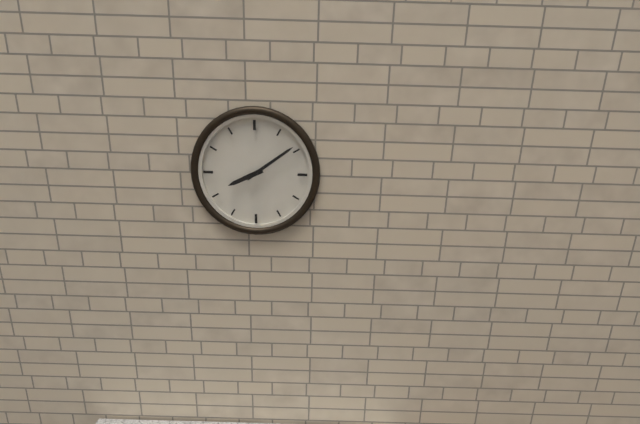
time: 8:09
